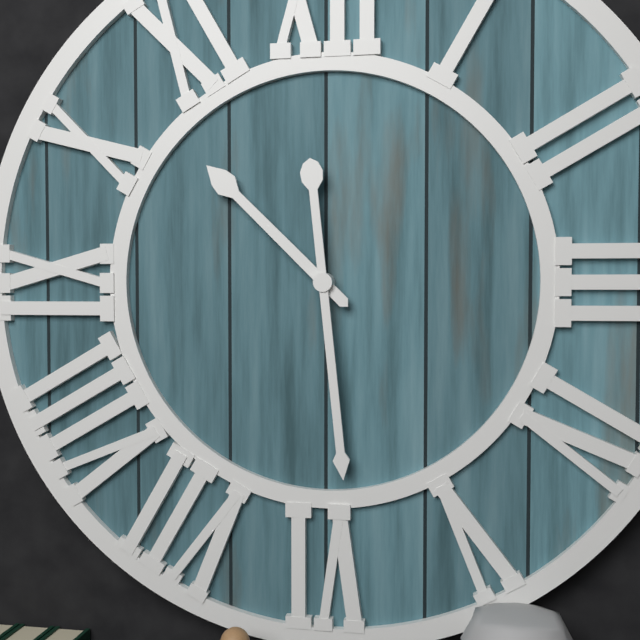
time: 10:29
